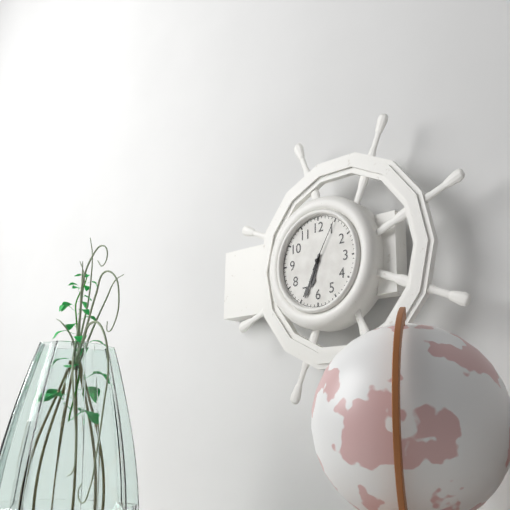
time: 6:34:05
